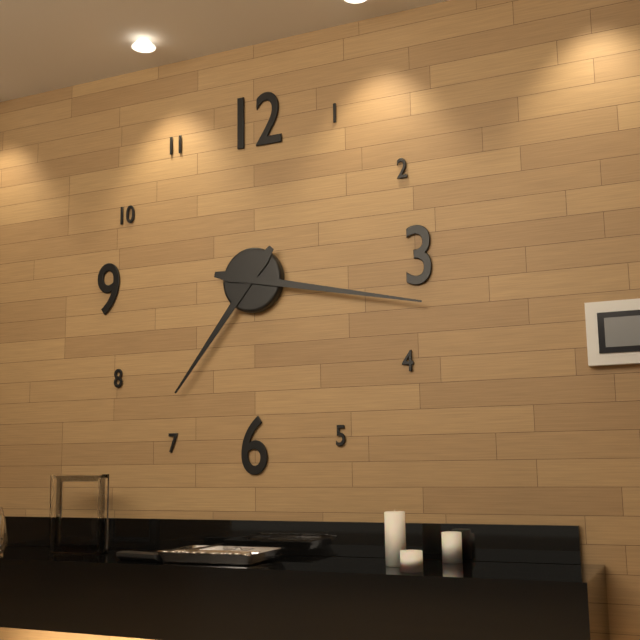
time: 7:17
